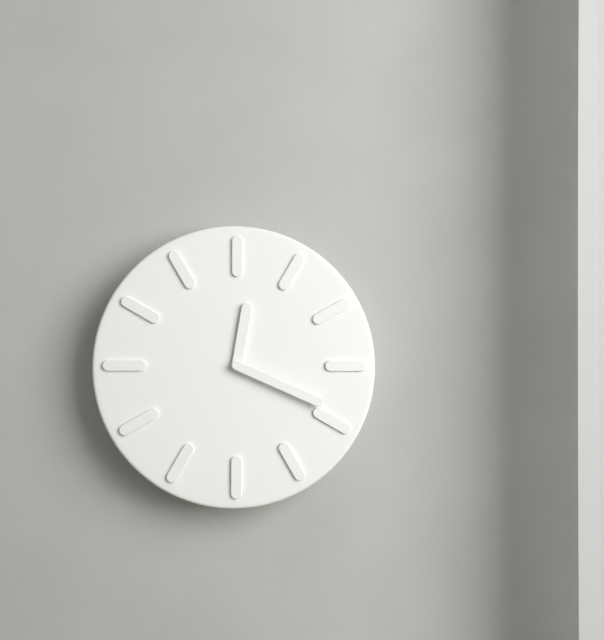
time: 12:19
